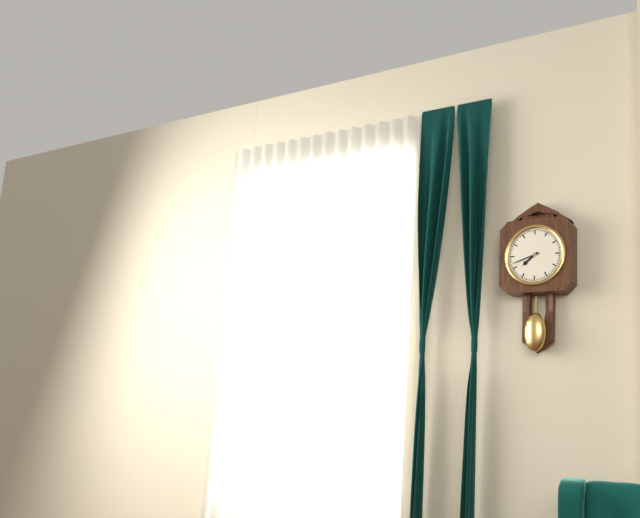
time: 7:42
